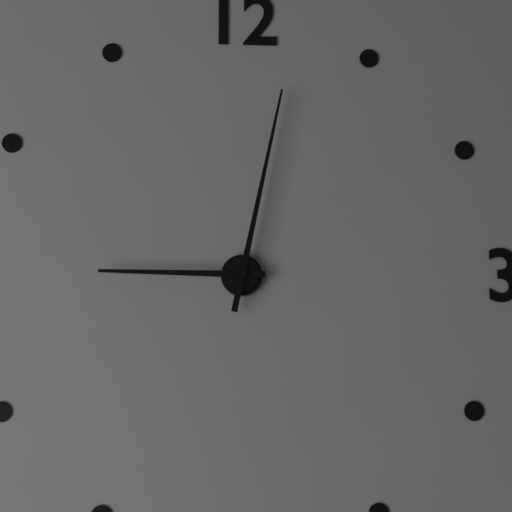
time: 9:02
